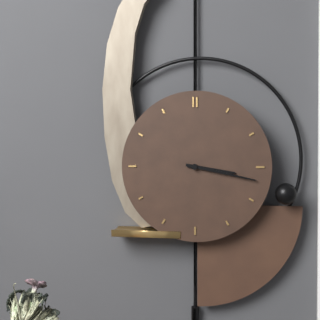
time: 3:17
